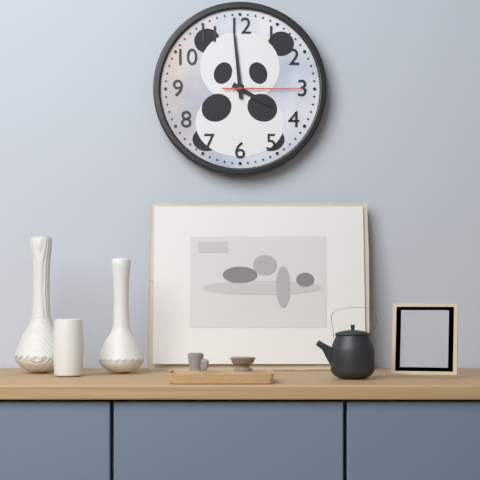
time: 3:59:15
